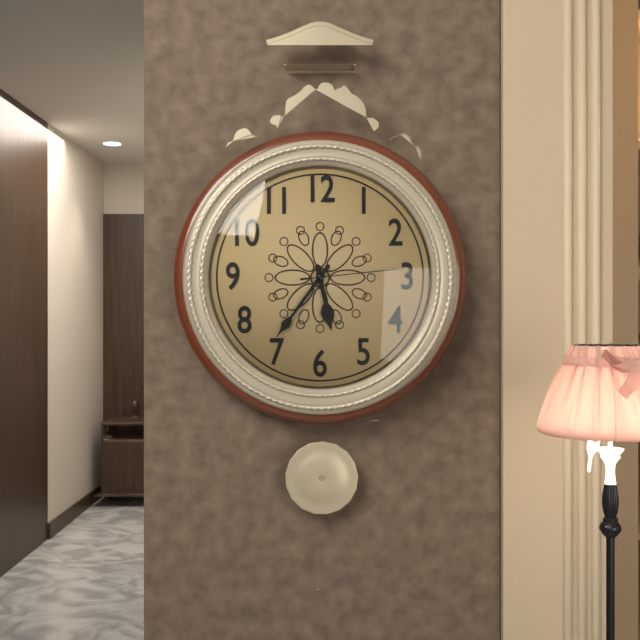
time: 5:36:14
